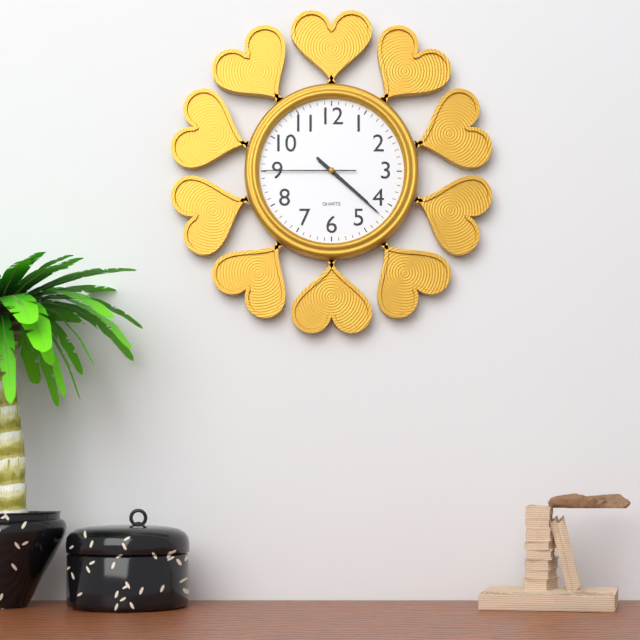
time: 4:22:45
